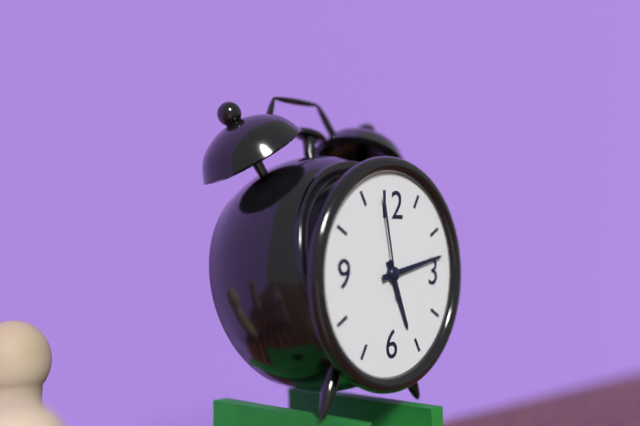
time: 5:13:58
